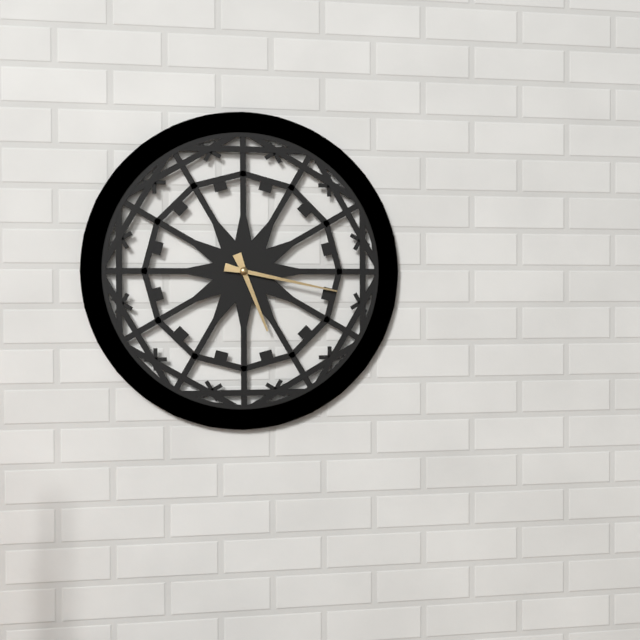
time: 5:17
